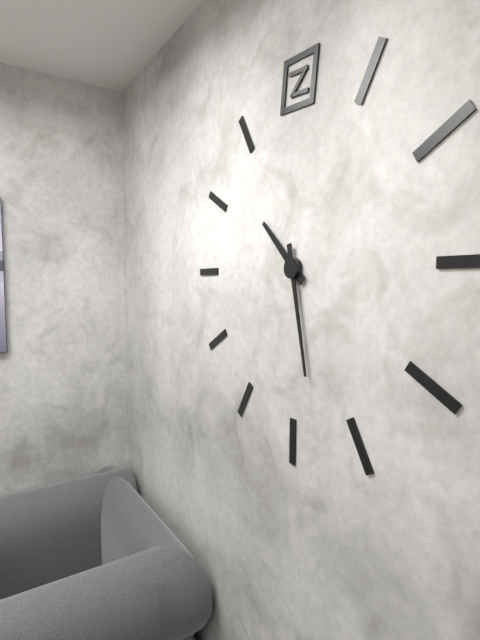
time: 10:28
